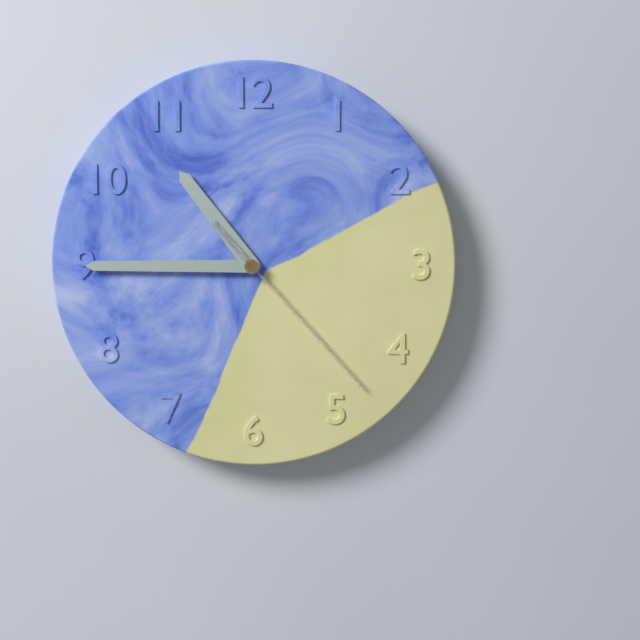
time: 10:45:23
